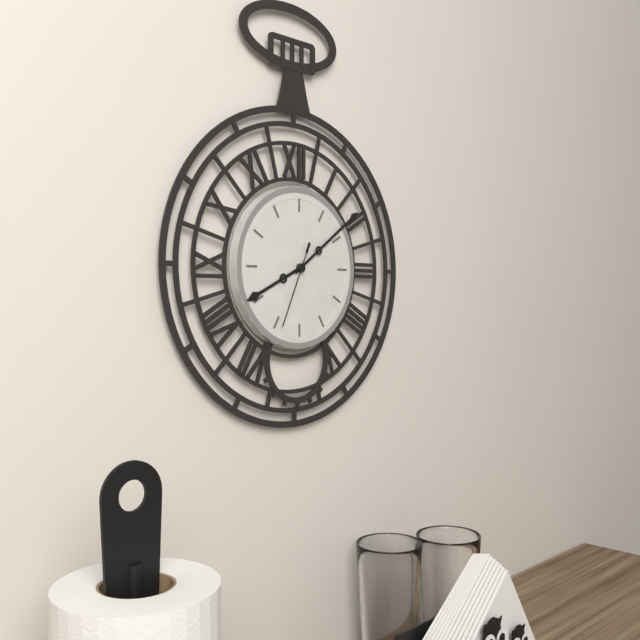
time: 8:09:34
